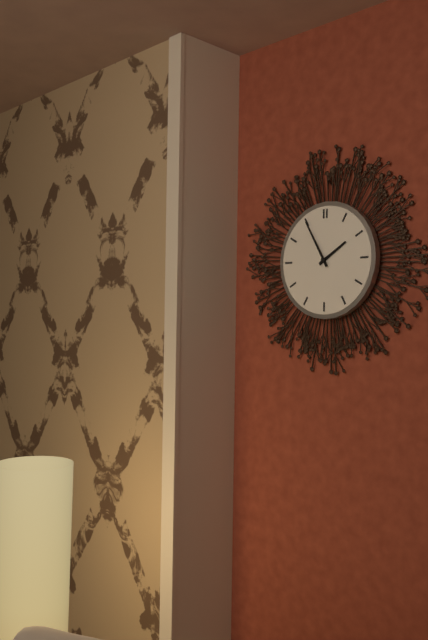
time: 1:55
